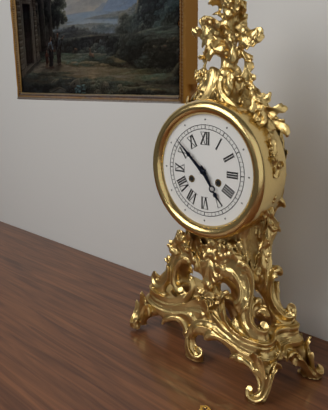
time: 4:52
